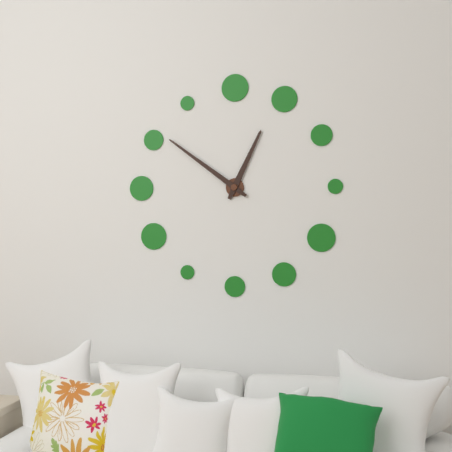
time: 12:51
